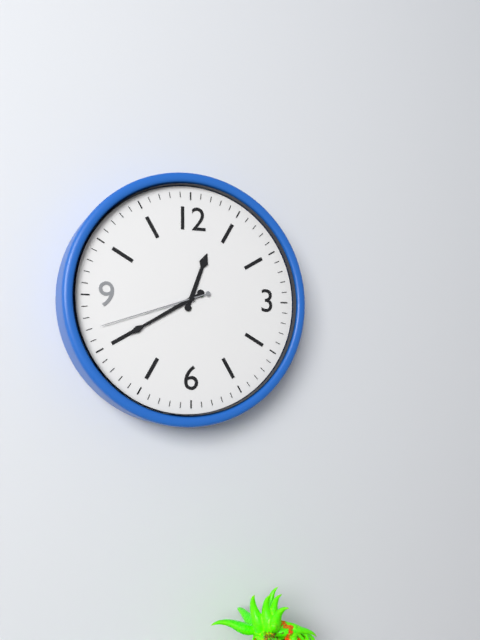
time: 12:40:42
